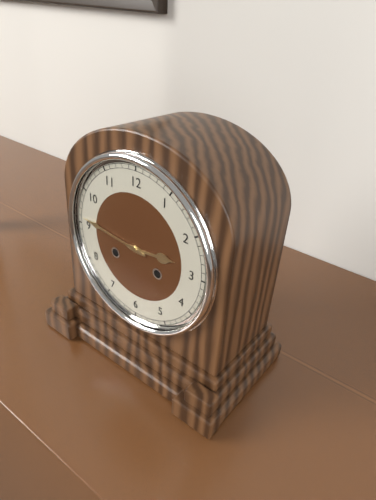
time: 2:46
